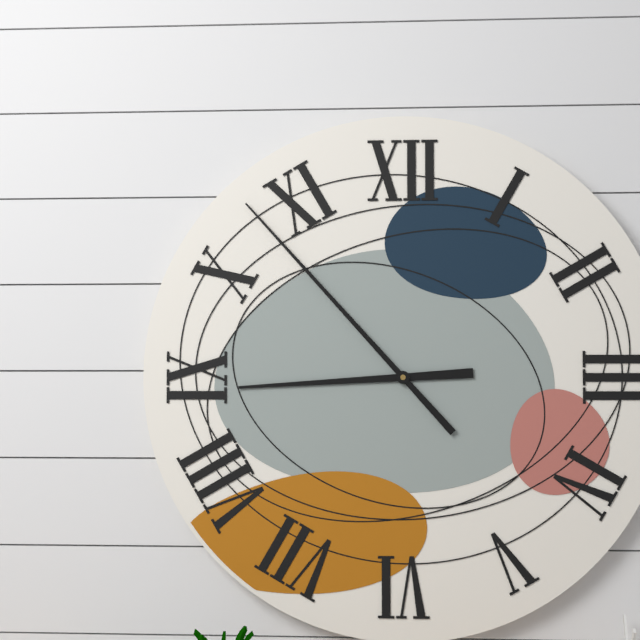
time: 8:53
